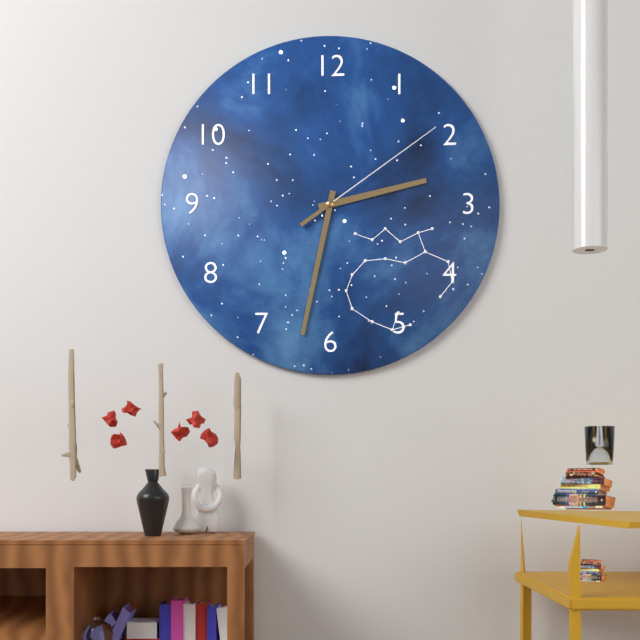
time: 2:32:09
